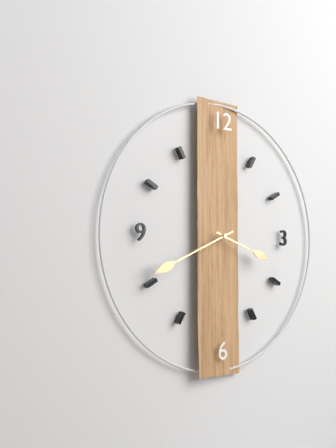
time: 3:41
